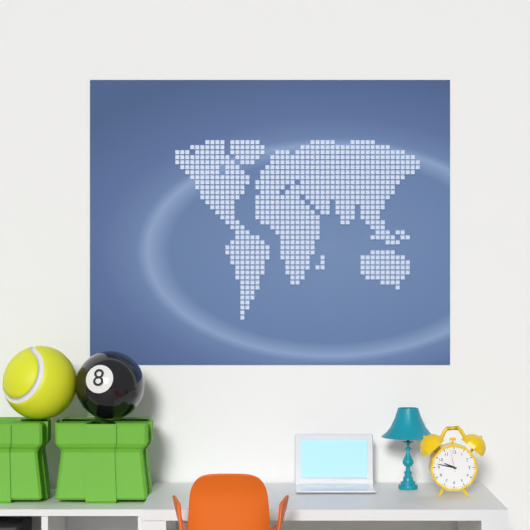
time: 9:47
